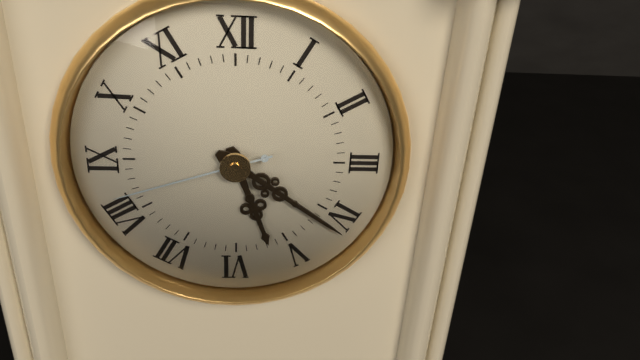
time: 5:21:42
